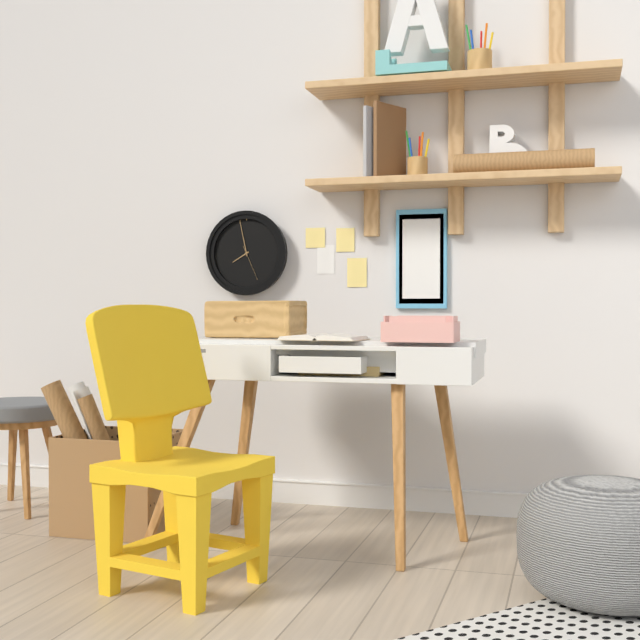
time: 7:58
